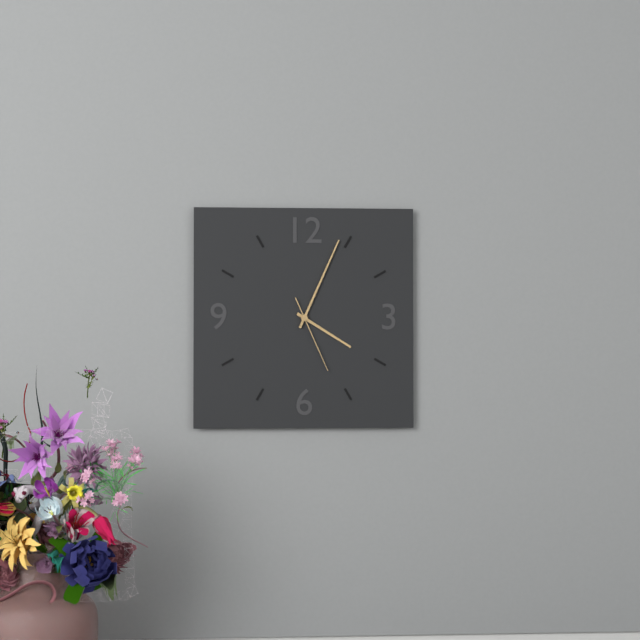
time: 4:04:26
